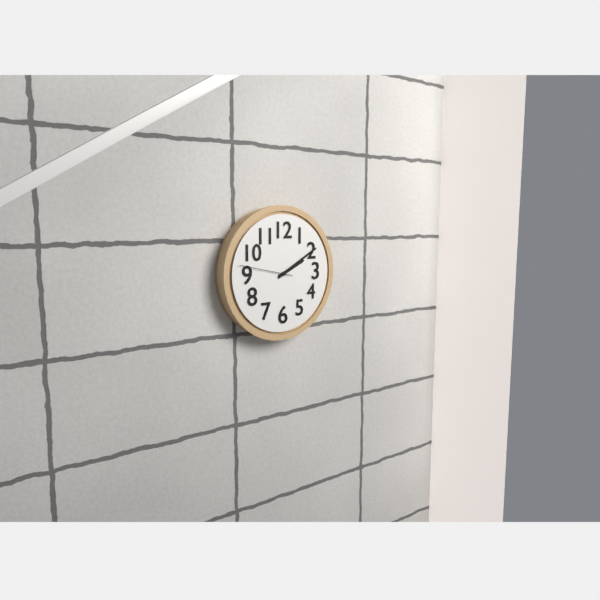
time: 2:10:47
